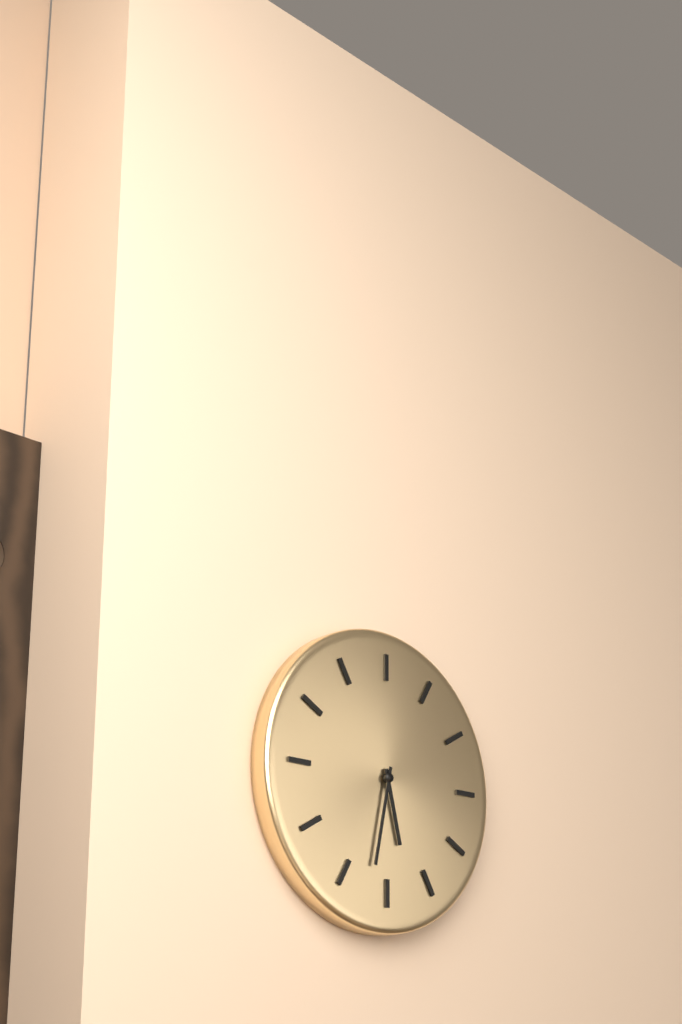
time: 5:32
